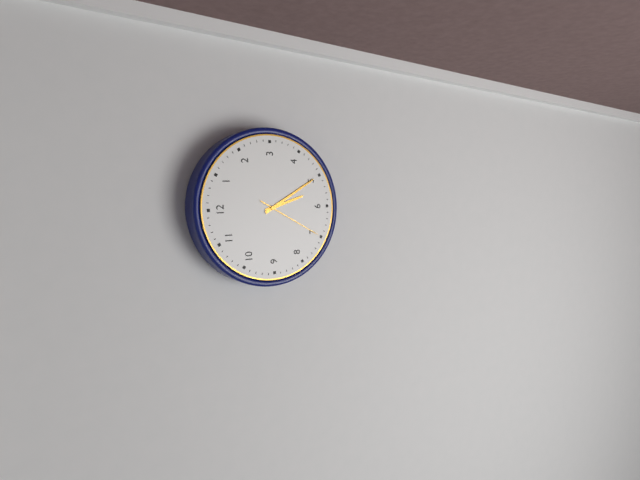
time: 5:25:35
